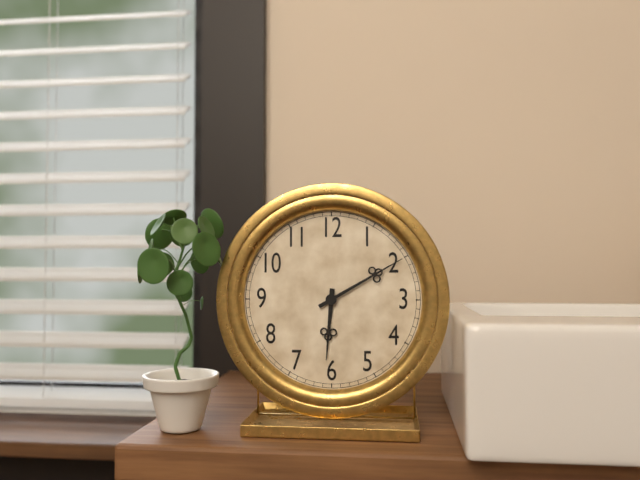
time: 6:10
